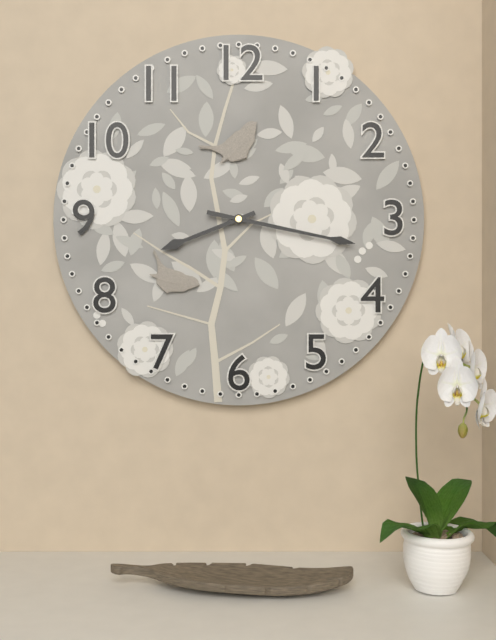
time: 8:17
